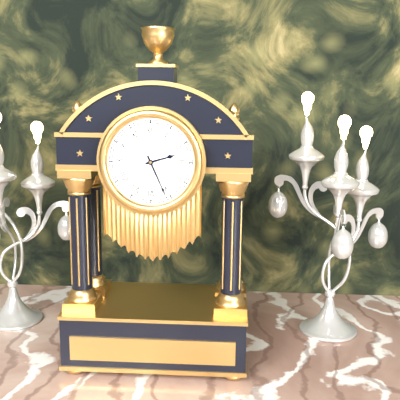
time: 2:26
